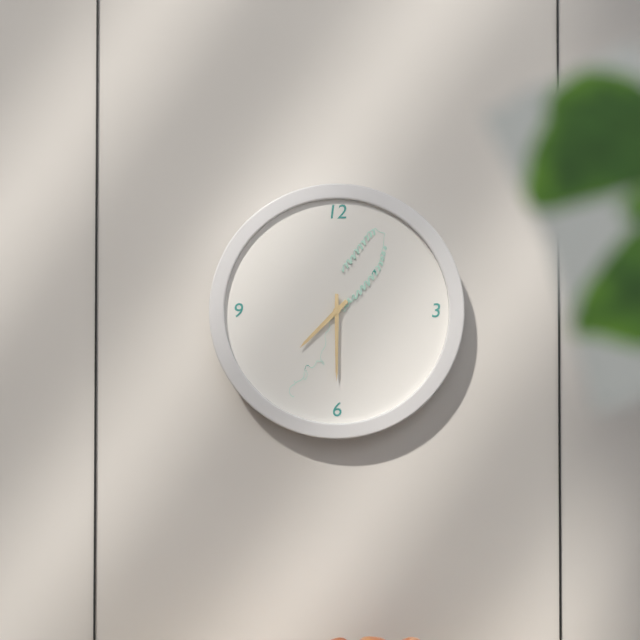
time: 7:30
